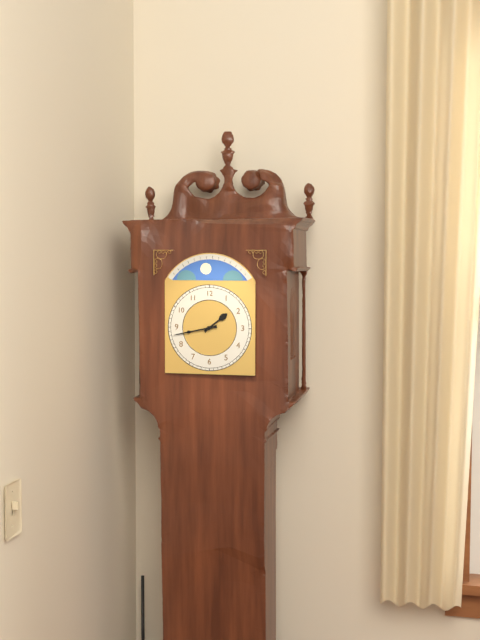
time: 1:43
